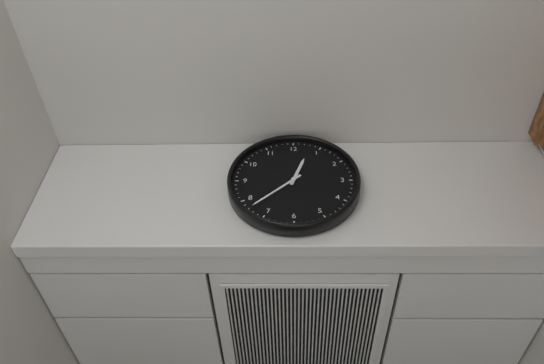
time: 12:38
